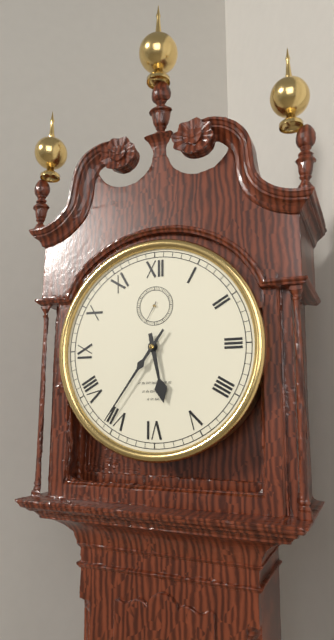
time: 5:36
